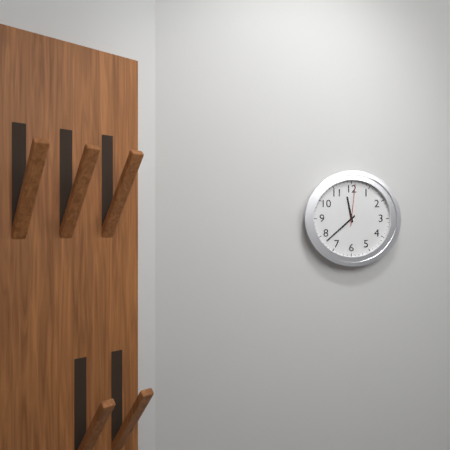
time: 11:38
